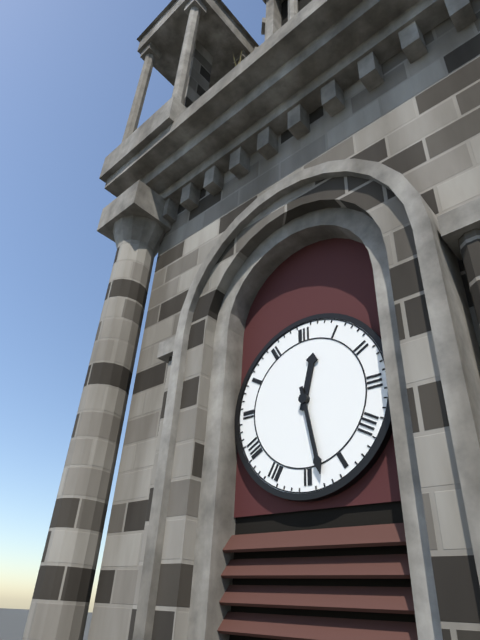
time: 12:28
